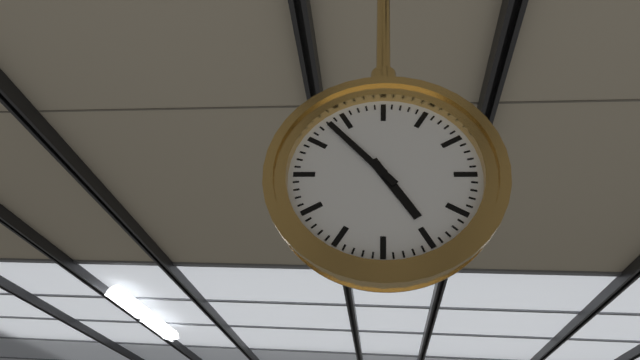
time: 4:53
